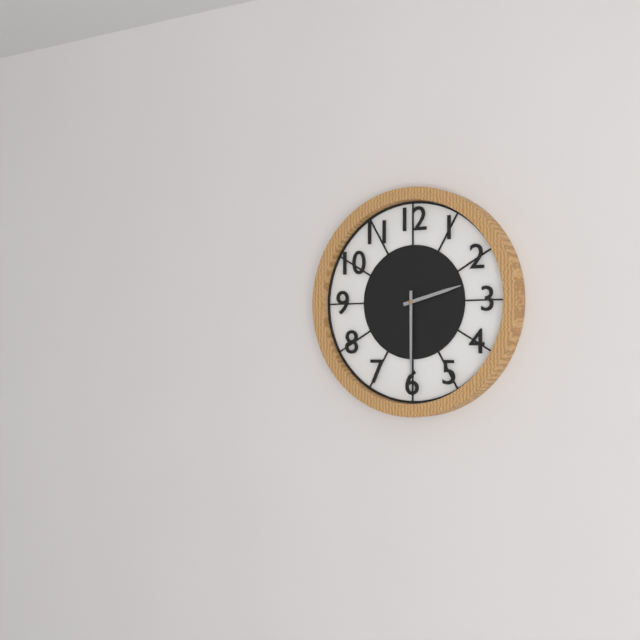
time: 2:30
